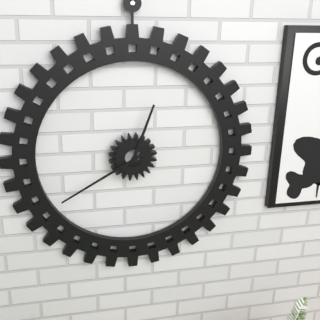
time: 12:40
